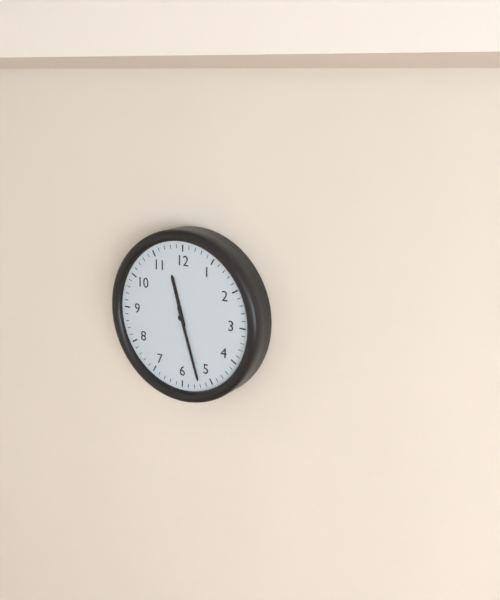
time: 11:27
